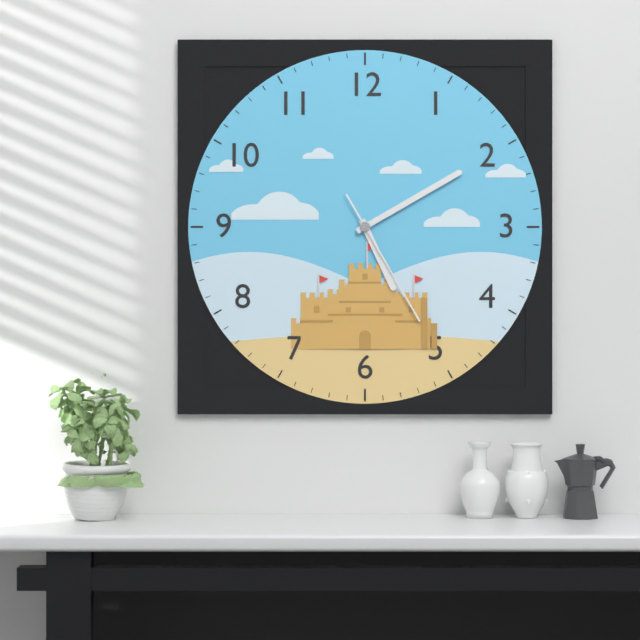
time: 5:10:25
